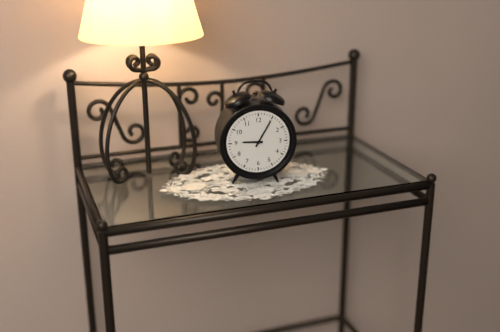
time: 9:05
